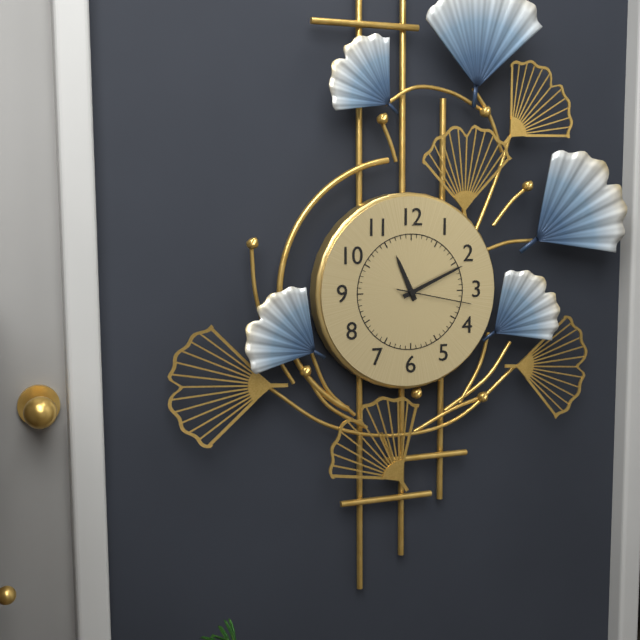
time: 11:11:17
